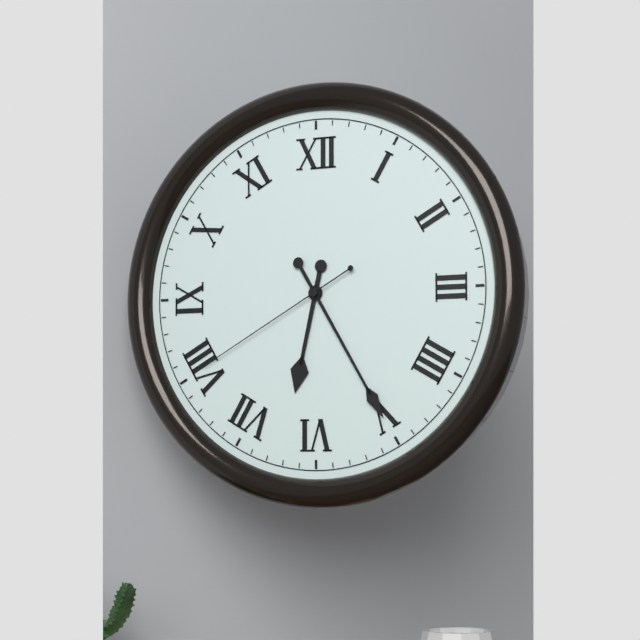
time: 6:25:40
